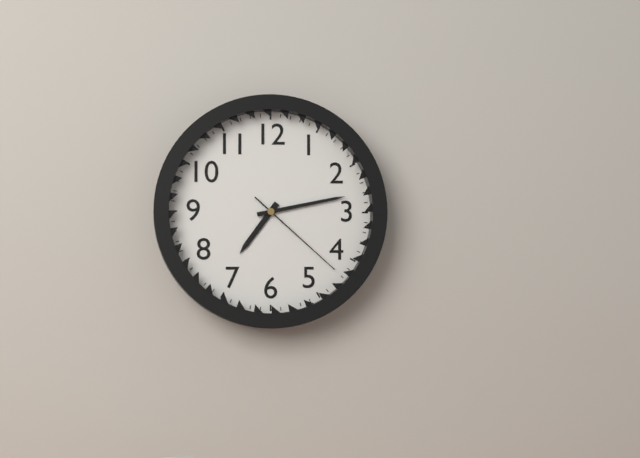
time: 7:13:22
